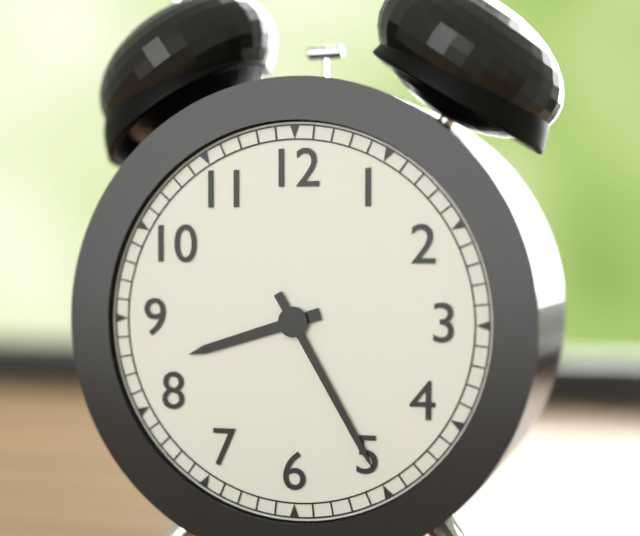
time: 8:25
